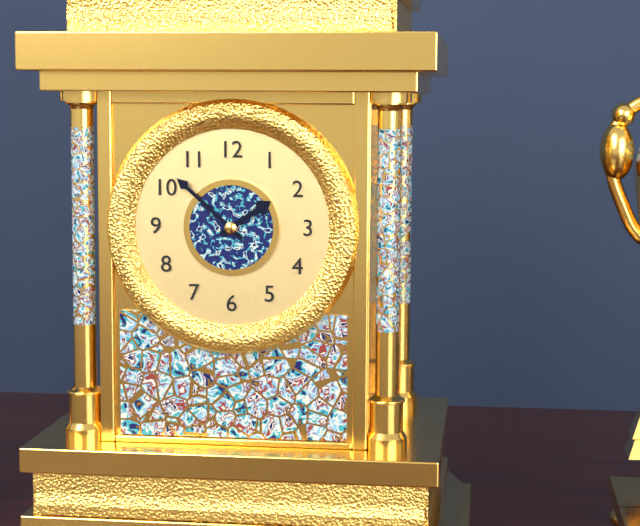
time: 1:52
